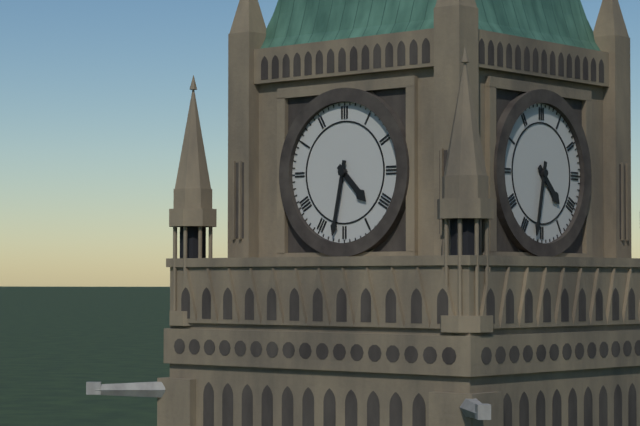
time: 4:32
